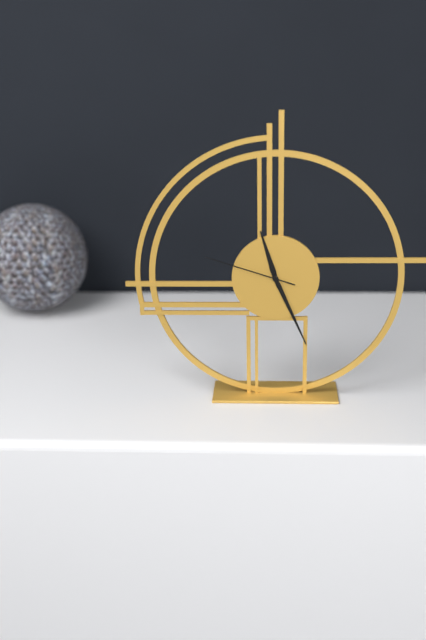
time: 11:26:48
